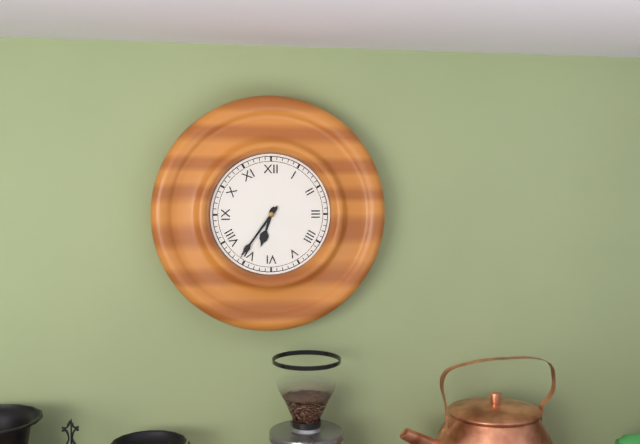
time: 6:36
